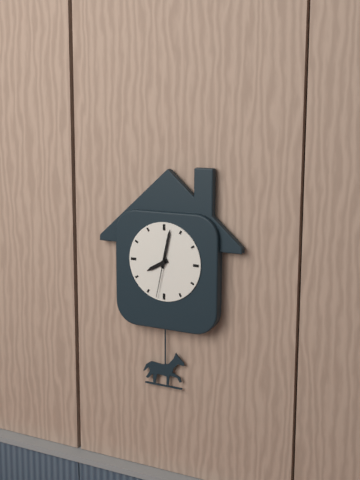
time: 8:02
